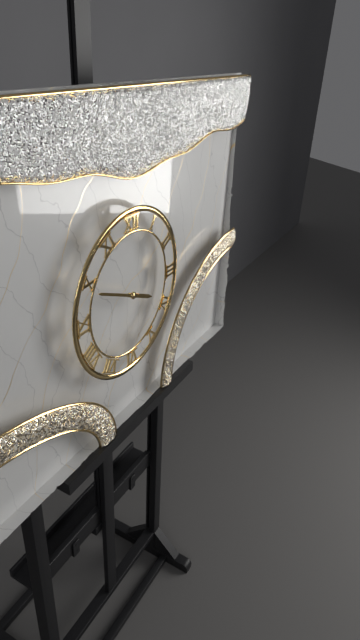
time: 3:49
